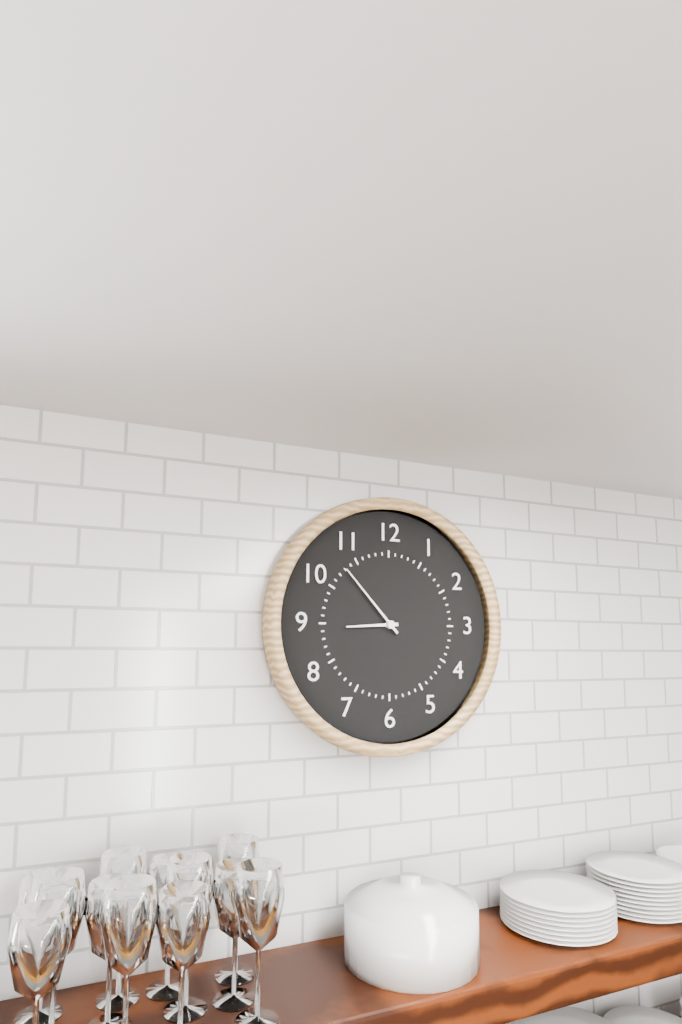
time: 8:53
